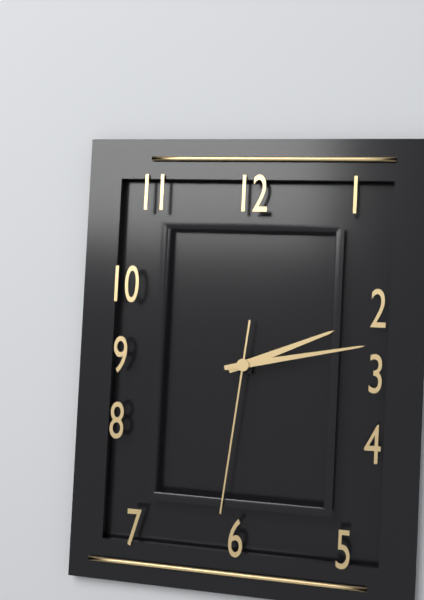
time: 2:13:31
